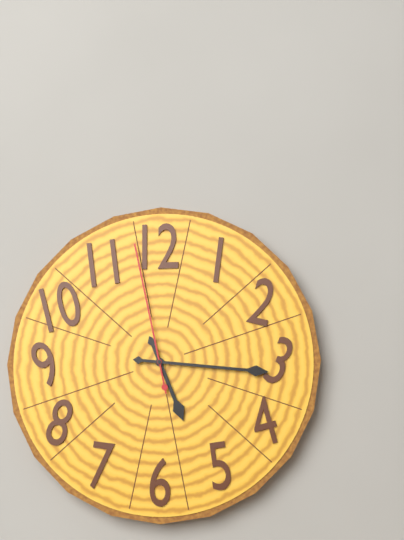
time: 5:16:58
